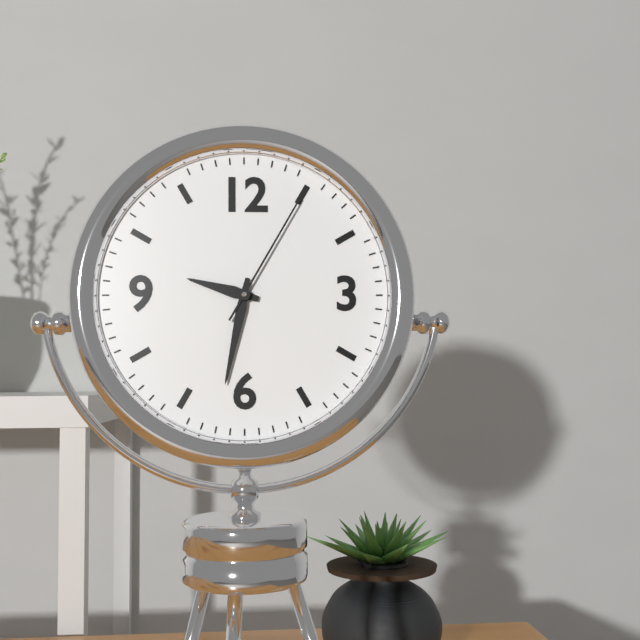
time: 9:32:05
